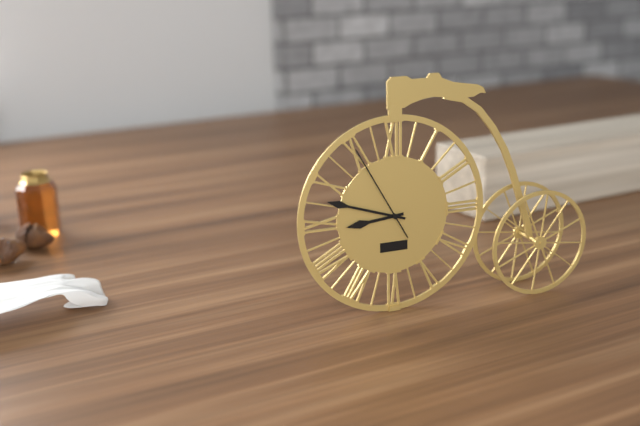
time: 8:48:55
